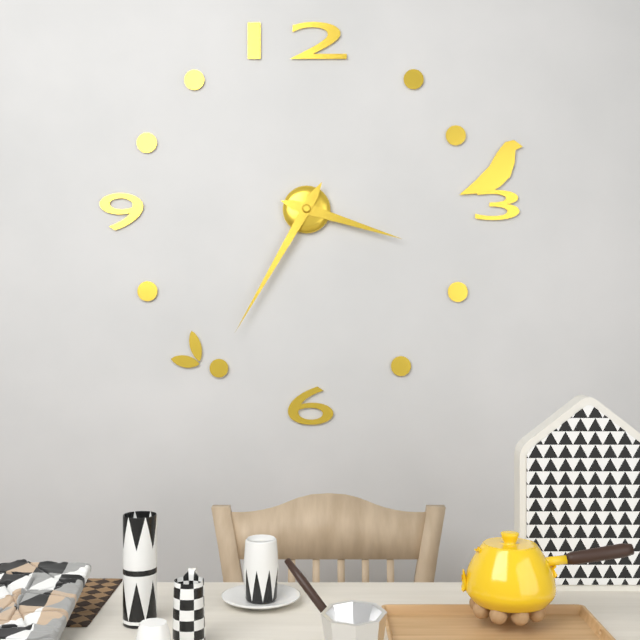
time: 3:35
